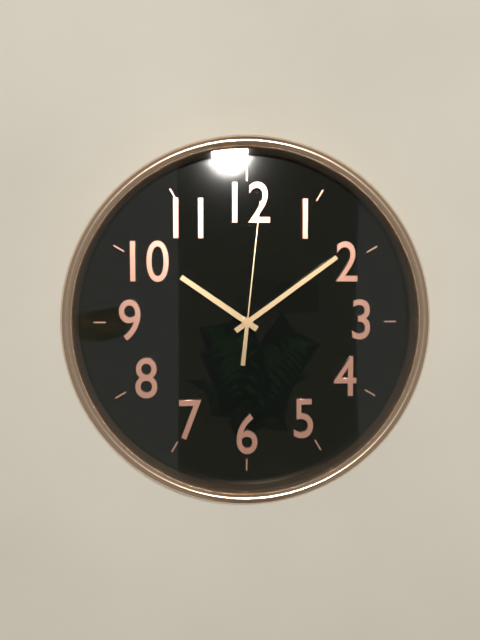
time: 10:09:01
